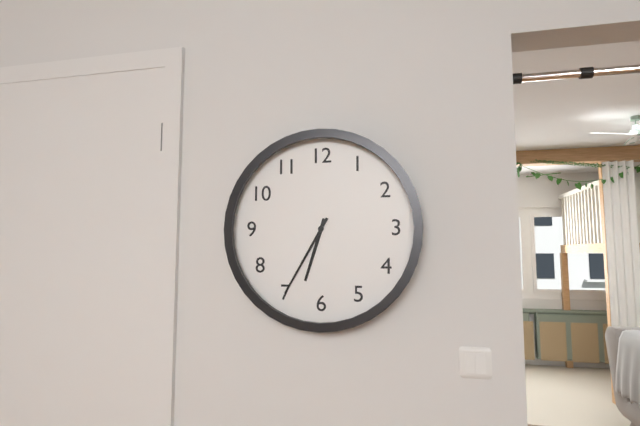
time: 6:35
